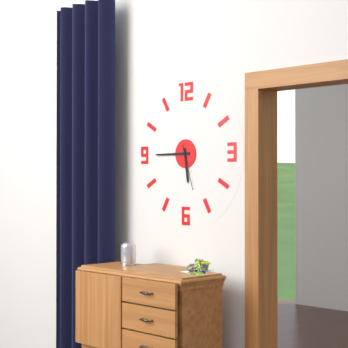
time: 5:45
